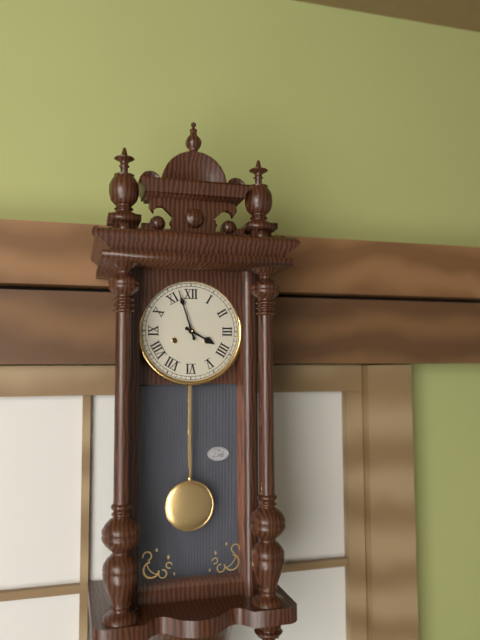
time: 3:57
